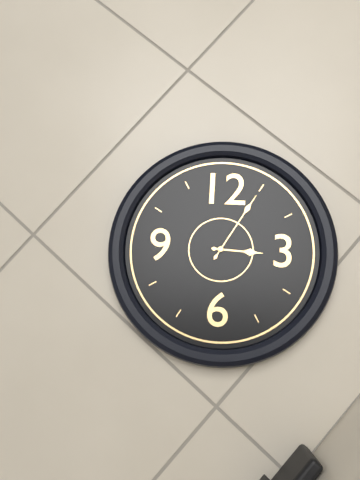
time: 3:05
